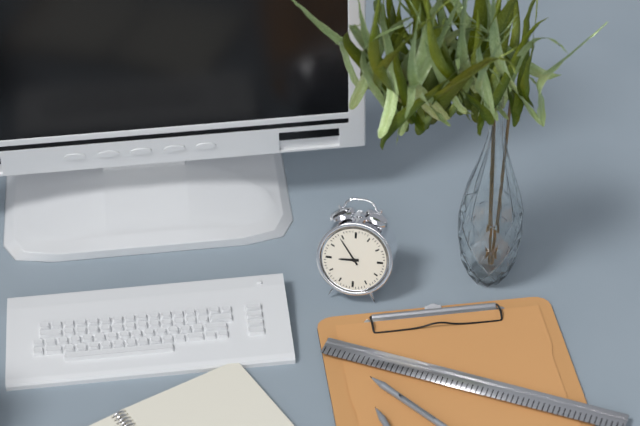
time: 8:54
